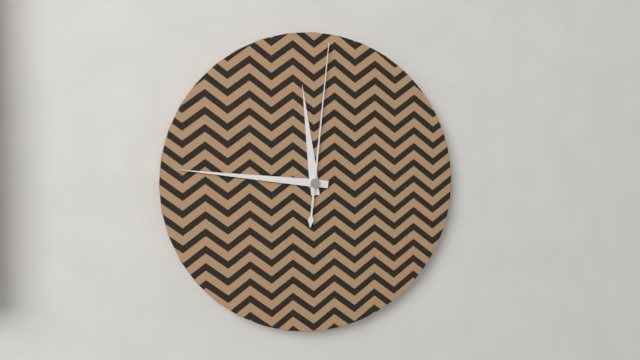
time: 11:46:01
